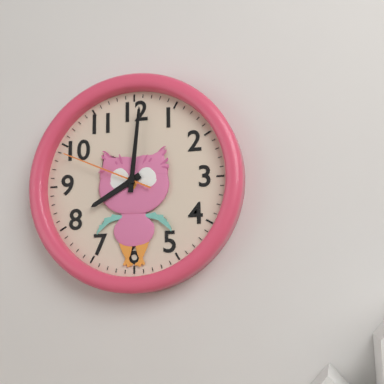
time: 8:01:49
